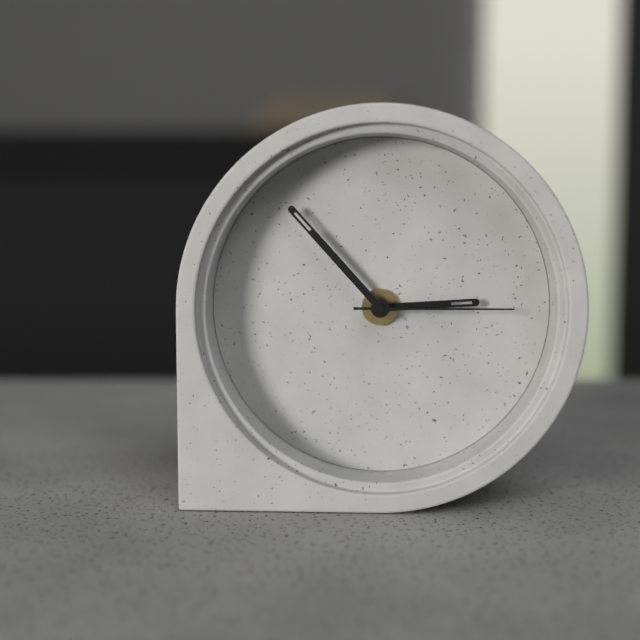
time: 2:53:15
